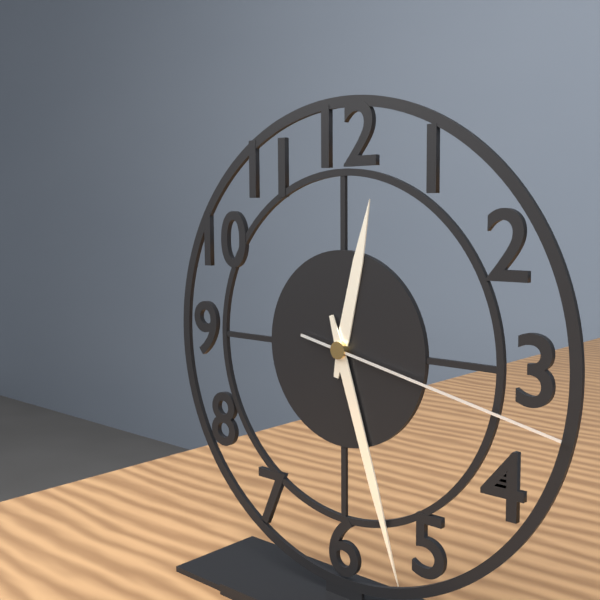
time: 12:27:17
